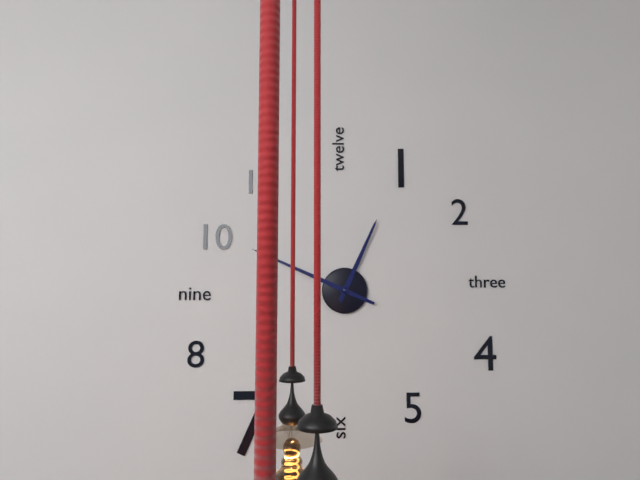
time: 12:49
